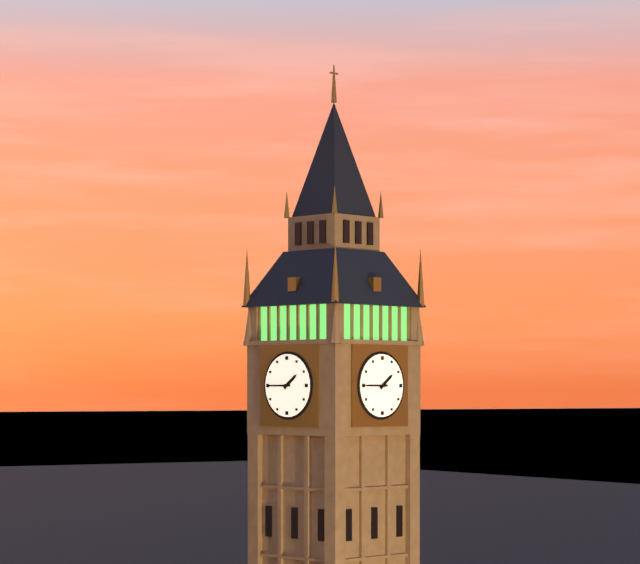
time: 1:45
